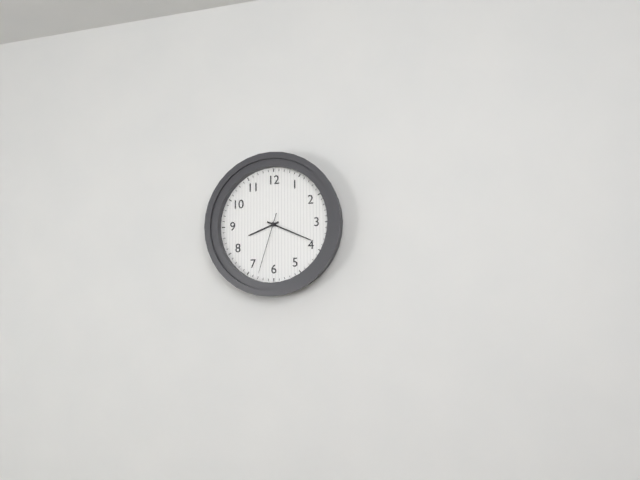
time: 8:19:33
